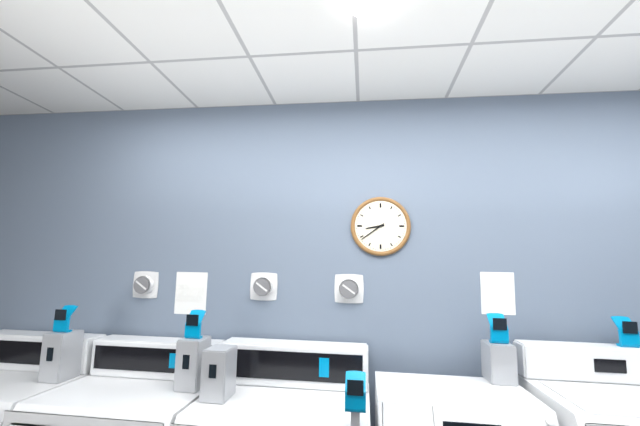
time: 8:39
